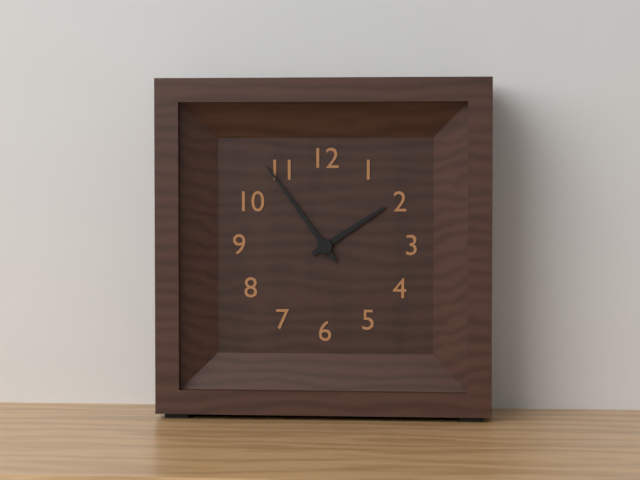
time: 1:54
